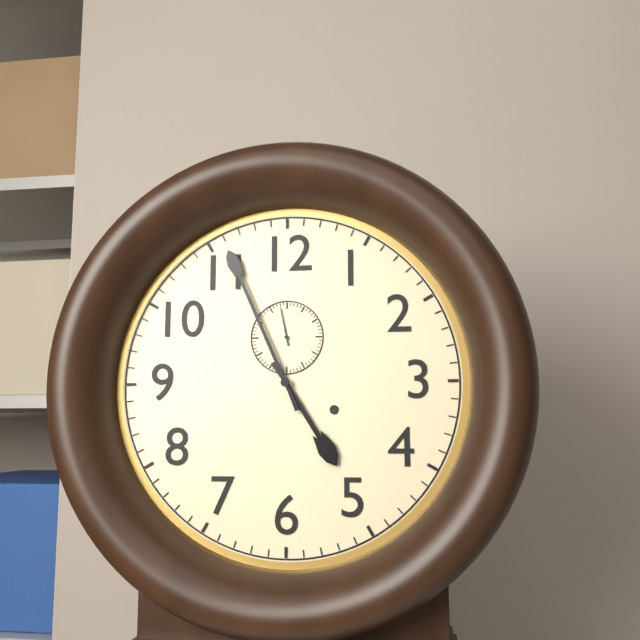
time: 4:56
